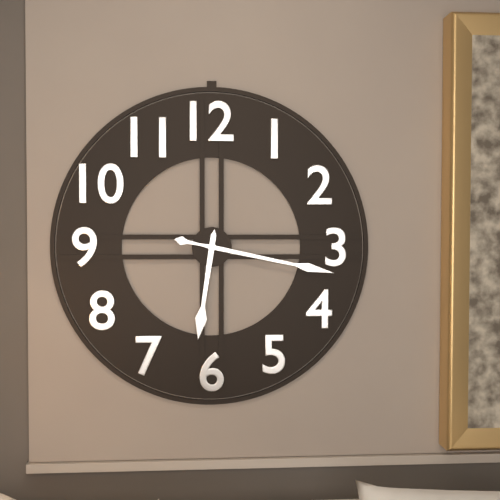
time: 6:17
